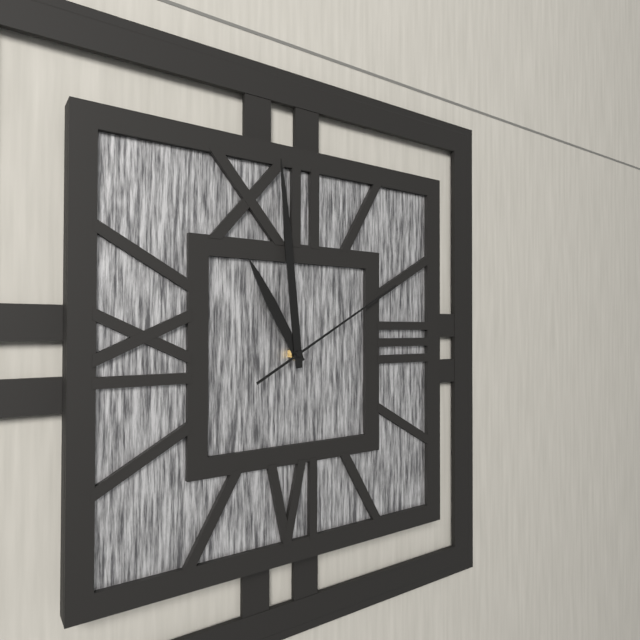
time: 10:59:10
